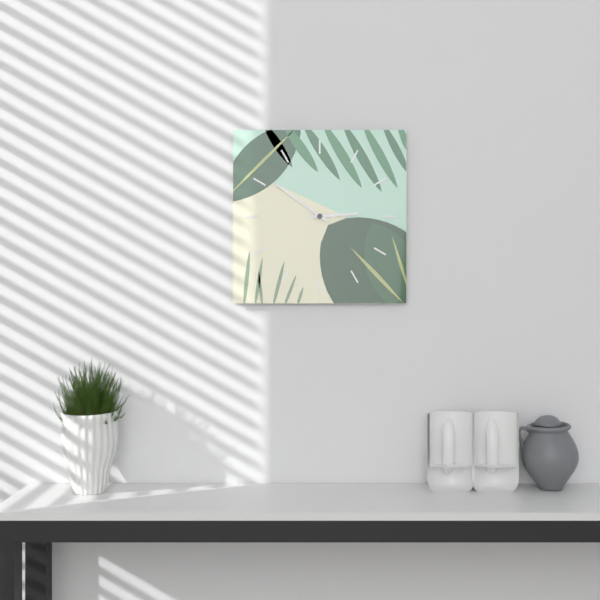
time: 2:51
